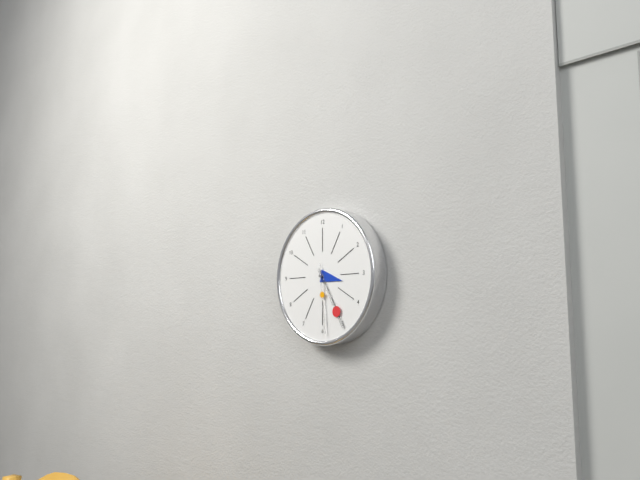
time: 3:25:29
